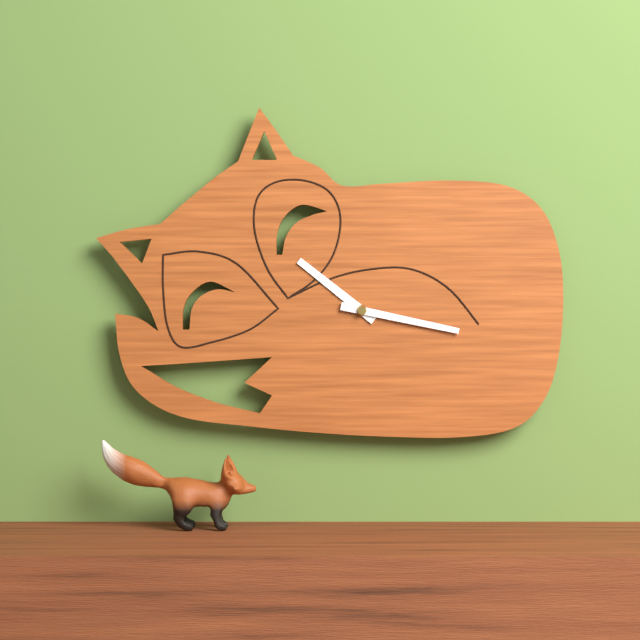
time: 10:17
